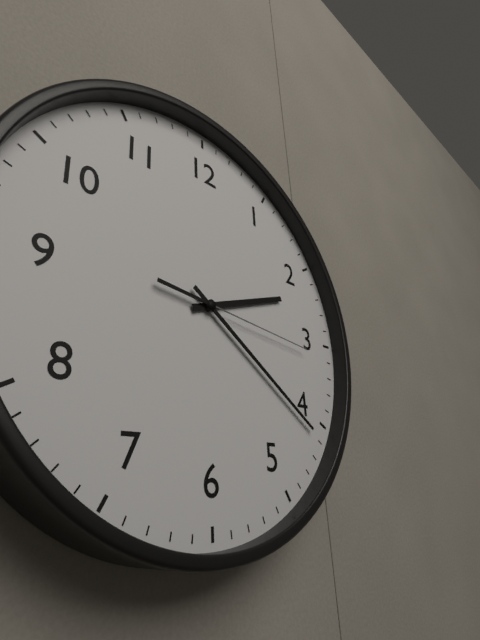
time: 2:21:16
